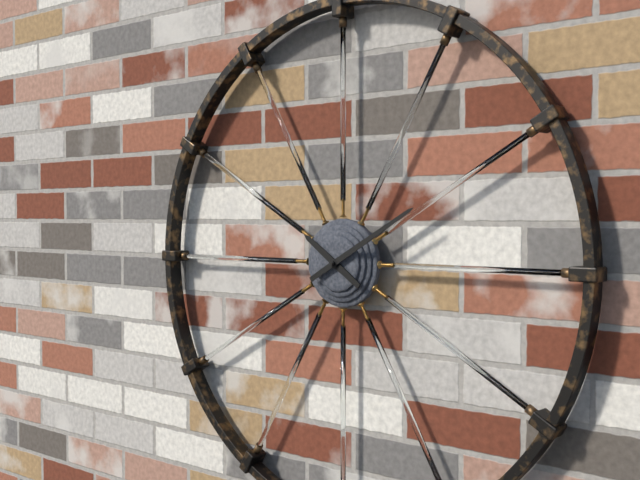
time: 10:10
